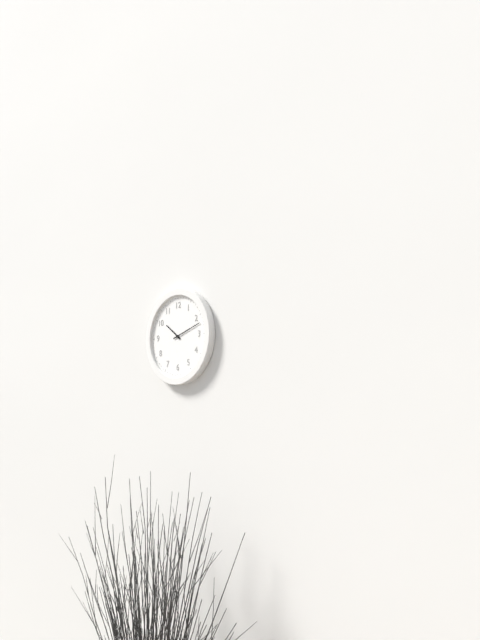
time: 10:12
